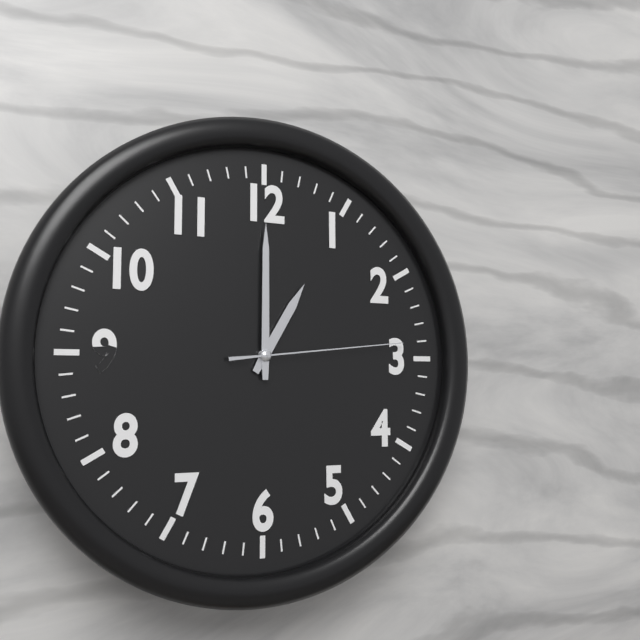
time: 1:00:14
